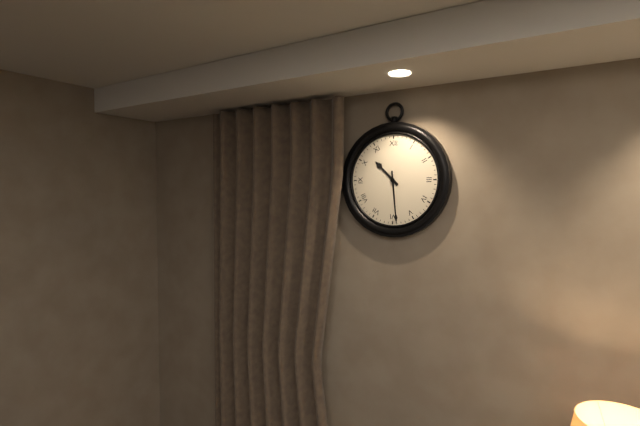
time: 10:29
